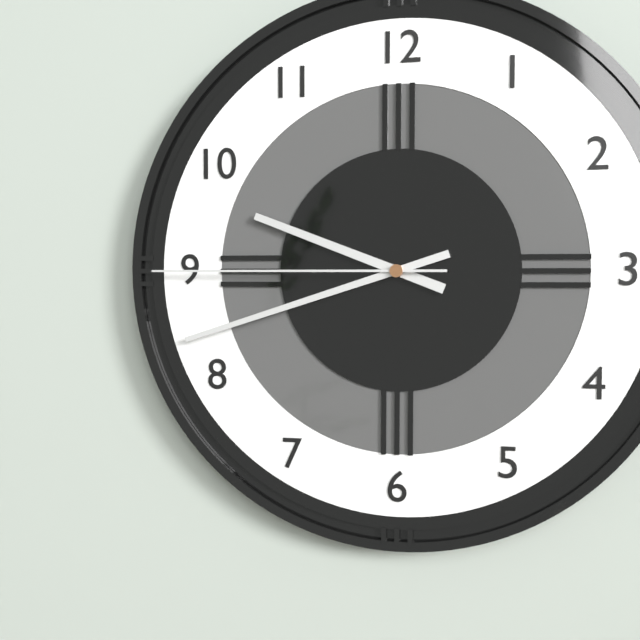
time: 9:42:45
